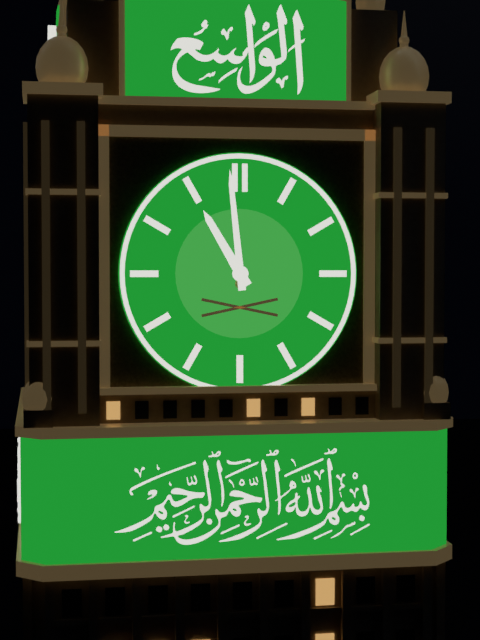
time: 10:59
